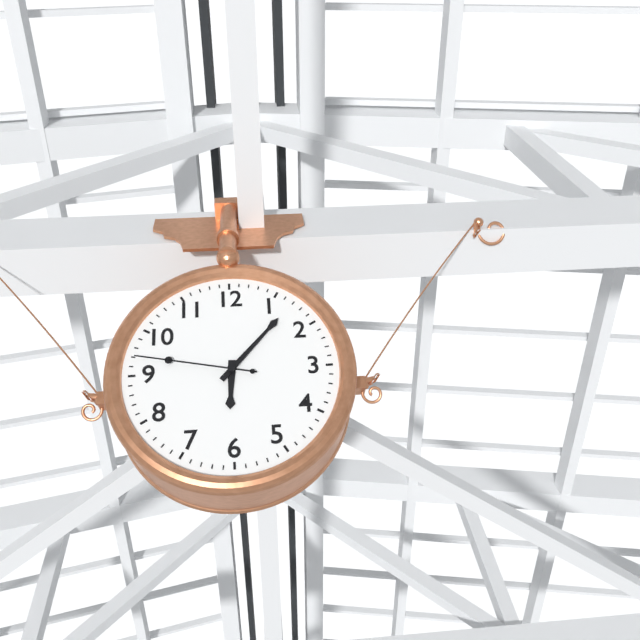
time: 6:07:47
